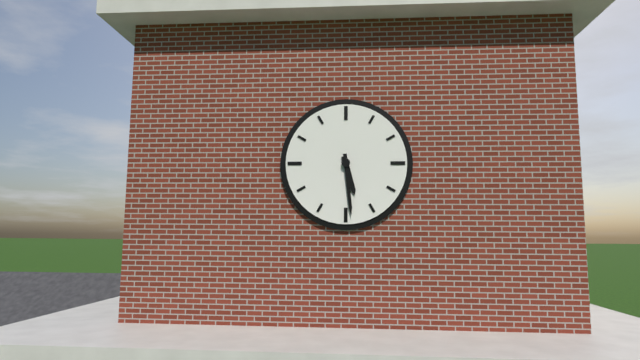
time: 5:29
